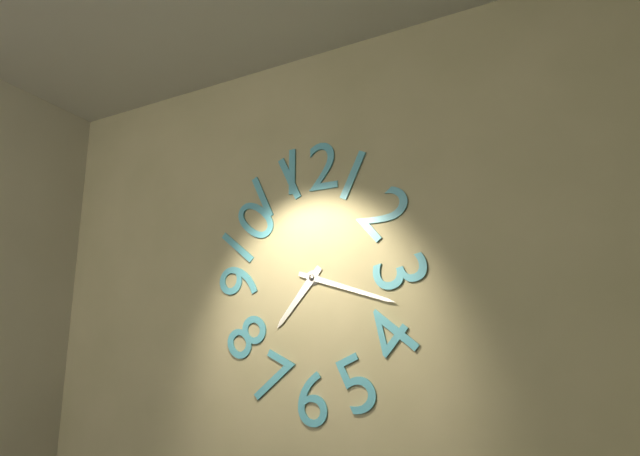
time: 7:18
